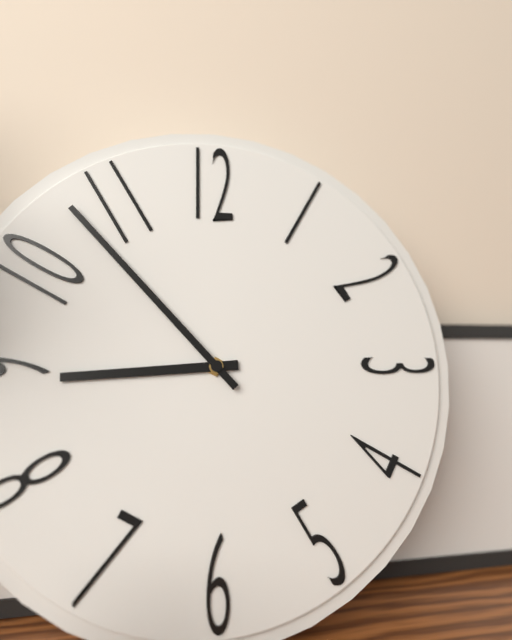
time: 8:53
